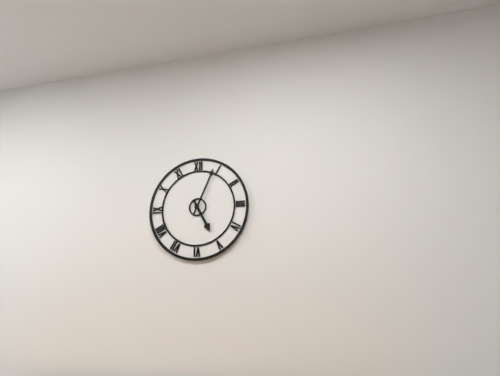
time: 5:04
